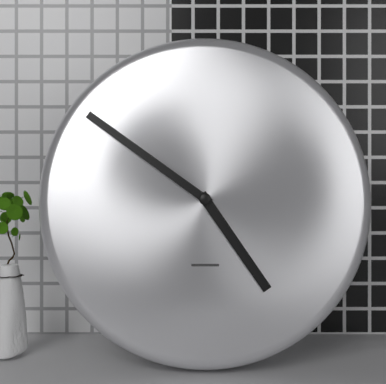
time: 4:51
